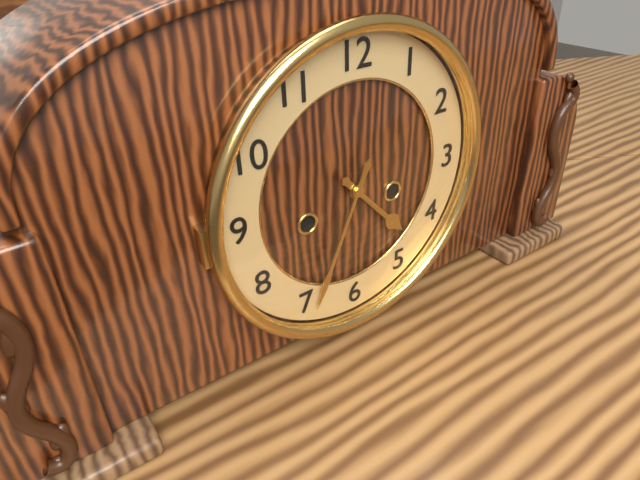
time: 4:34
